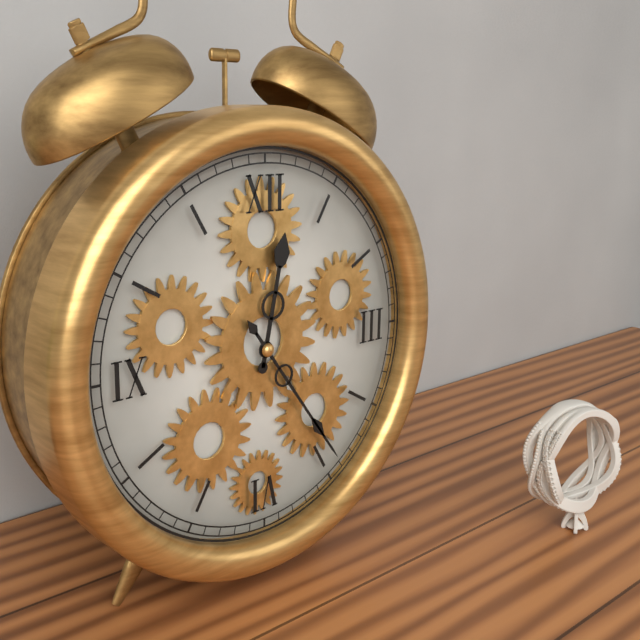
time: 12:24
